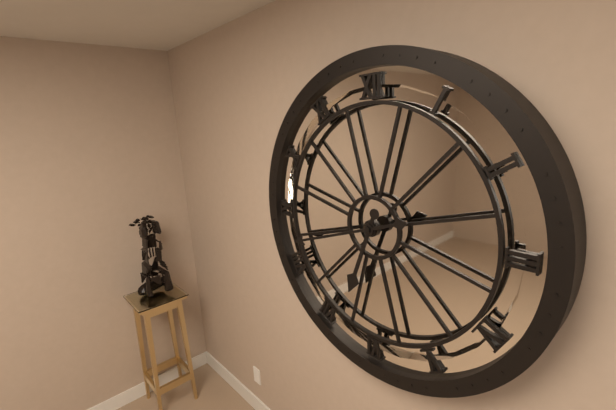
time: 6:42
